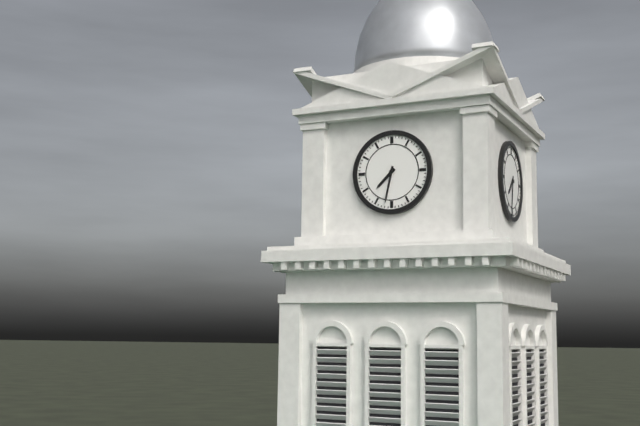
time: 7:32
